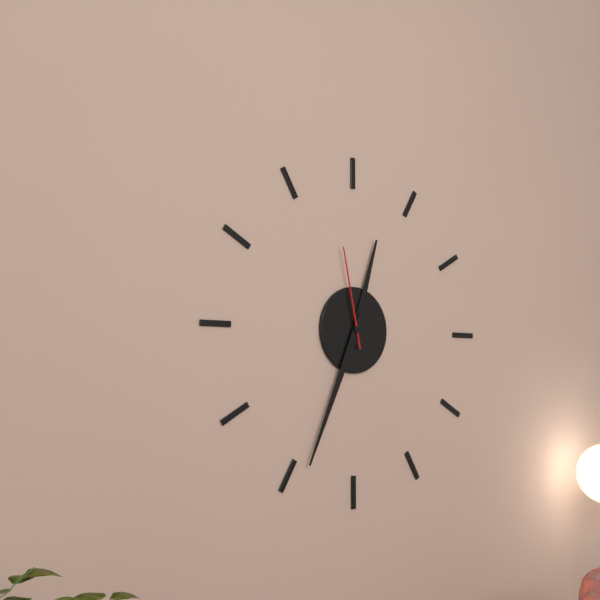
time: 12:34:58
